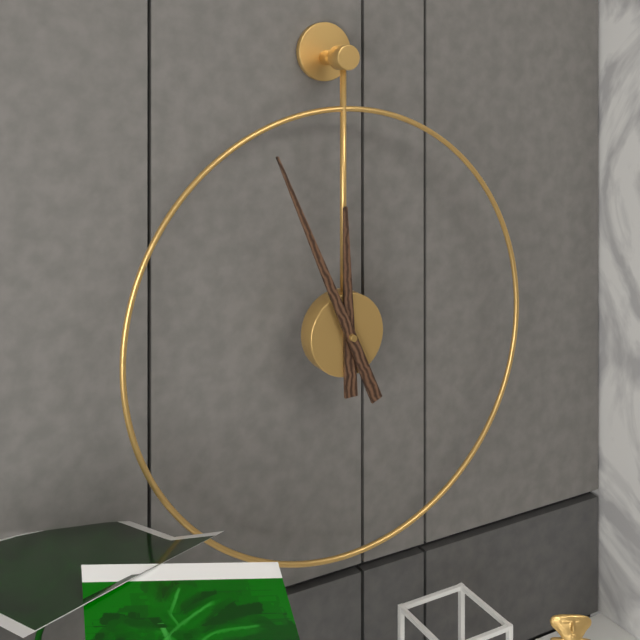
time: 11:56
